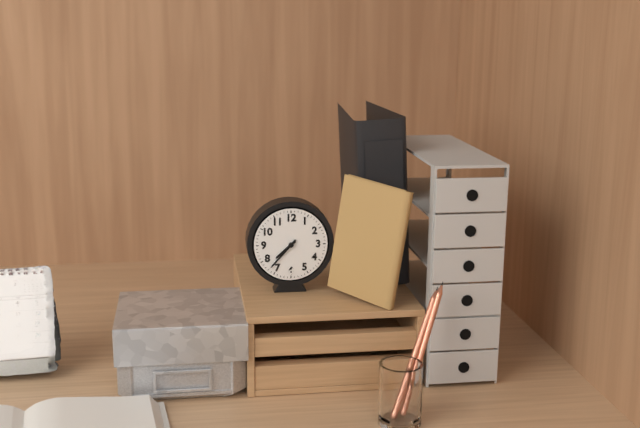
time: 7:37
